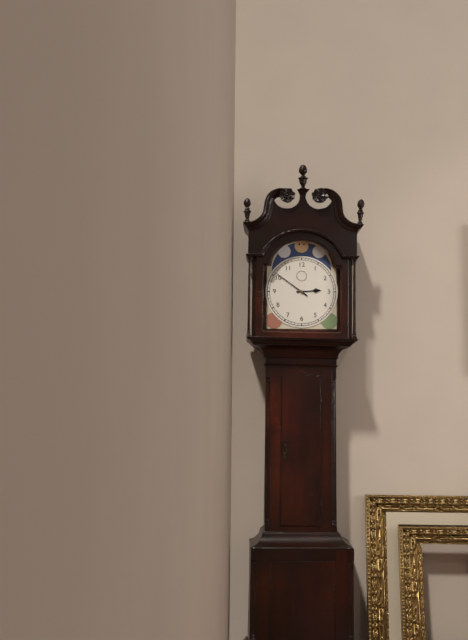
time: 2:51
